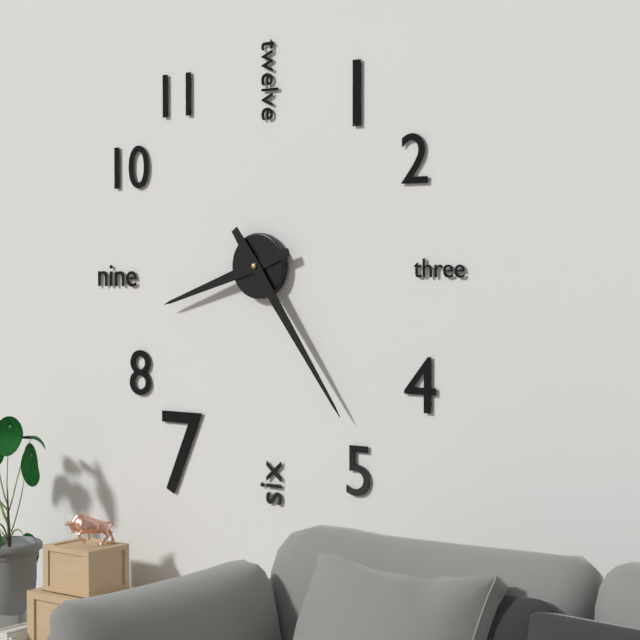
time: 8:24
